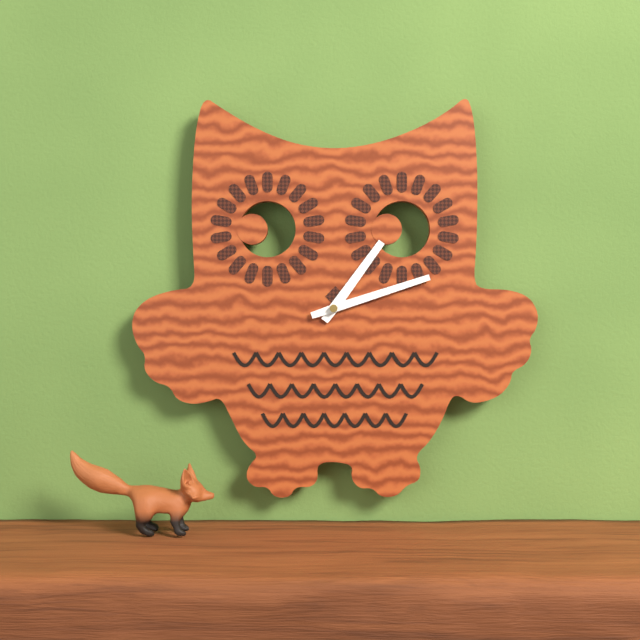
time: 1:12
